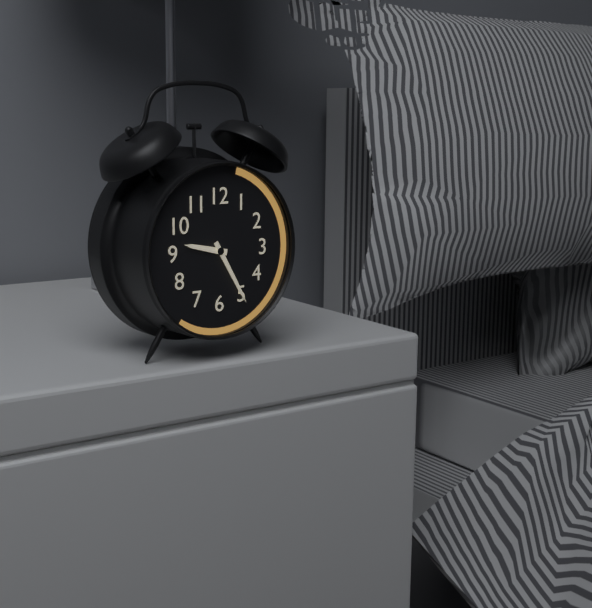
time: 9:25
